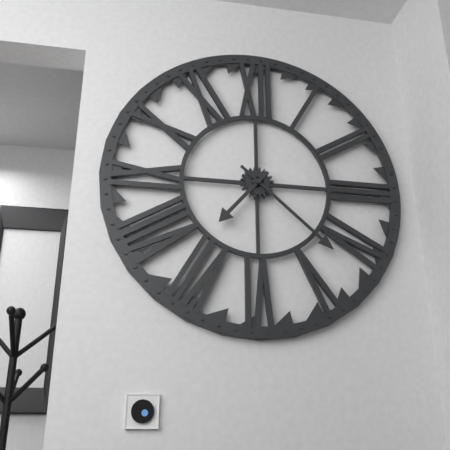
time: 7:22
